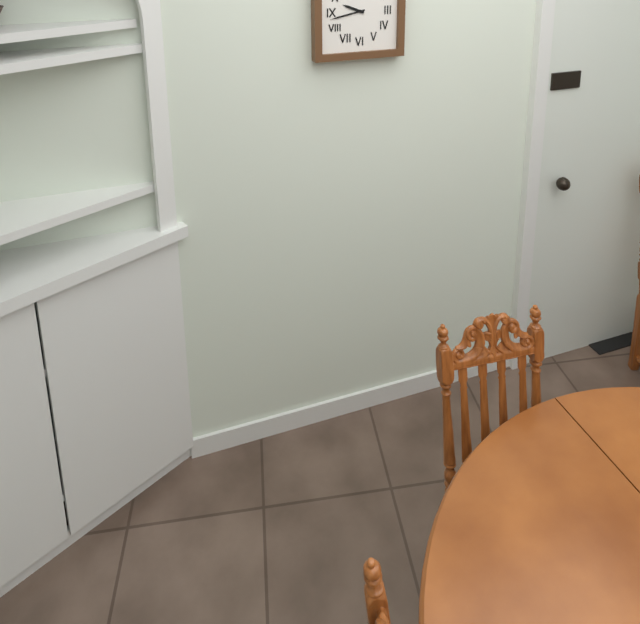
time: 9:43
